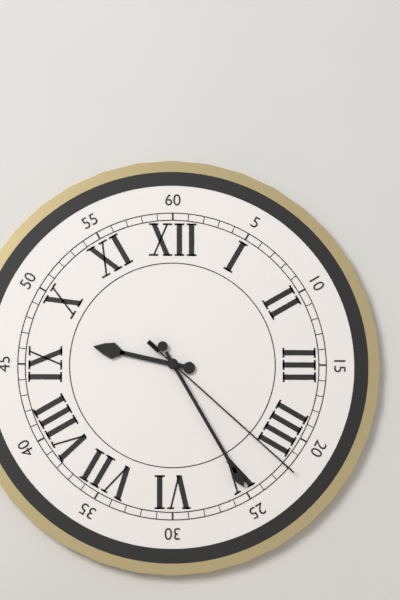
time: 9:25:22
